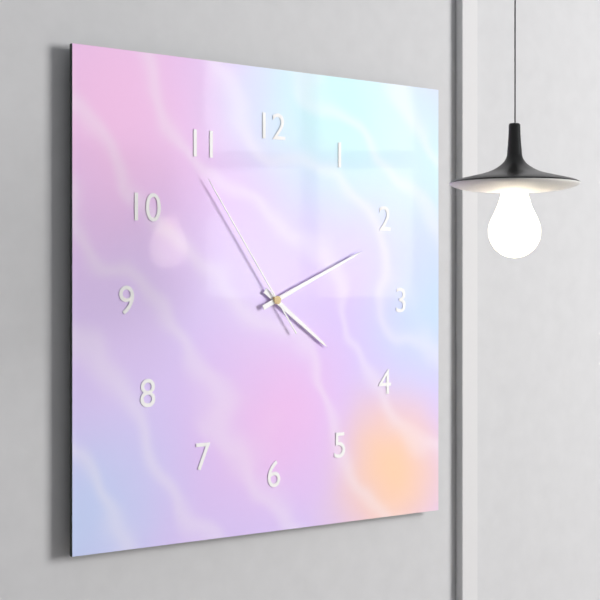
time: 4:11:54
